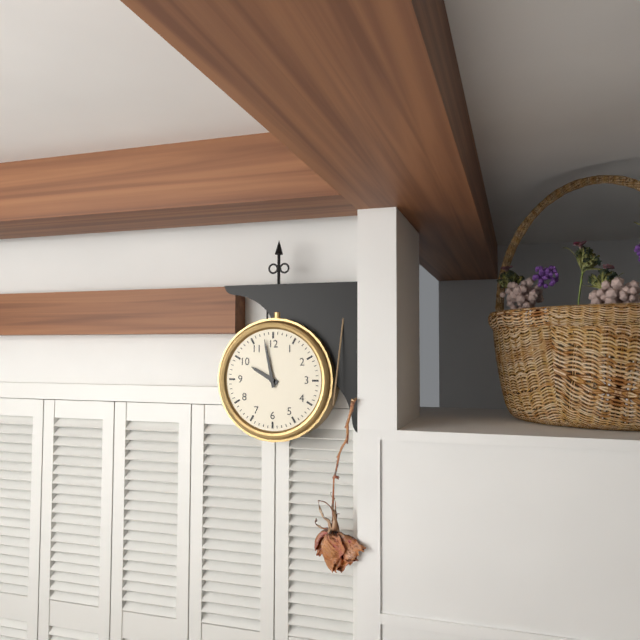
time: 9:58
